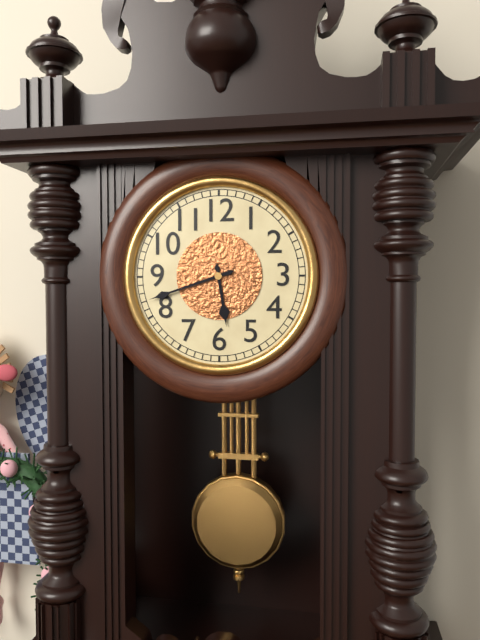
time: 5:42
